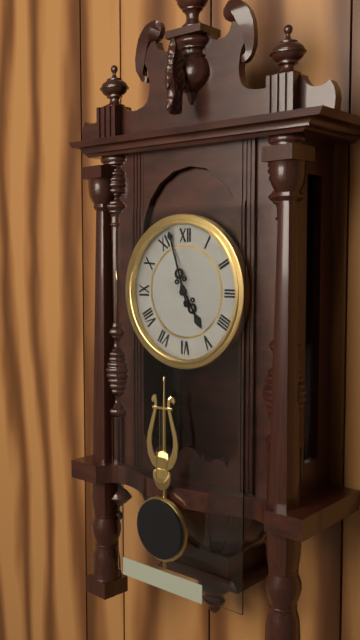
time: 4:57
